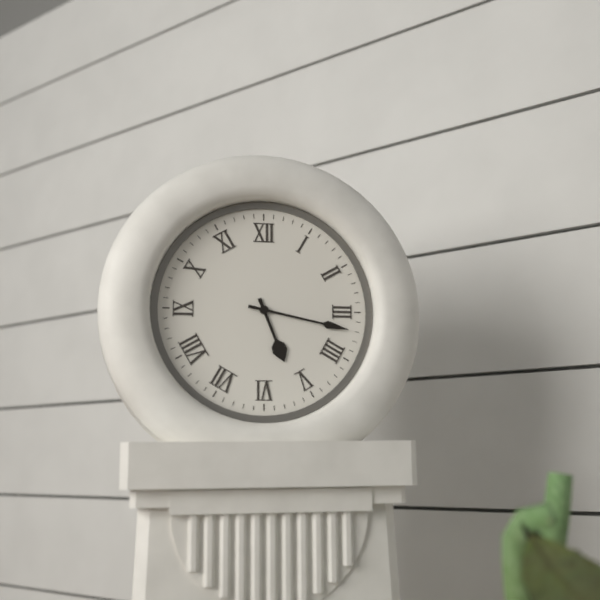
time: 5:17
